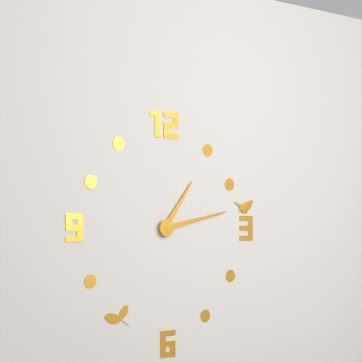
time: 1:13
